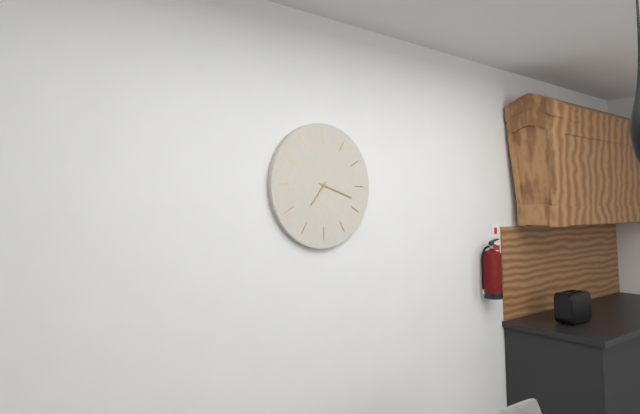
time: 7:18
